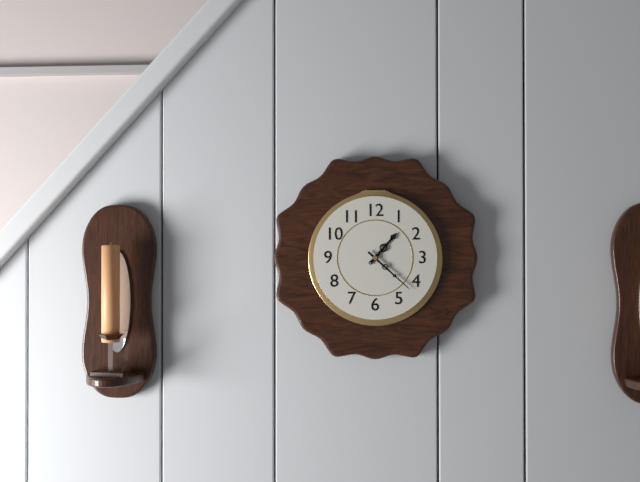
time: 1:22
